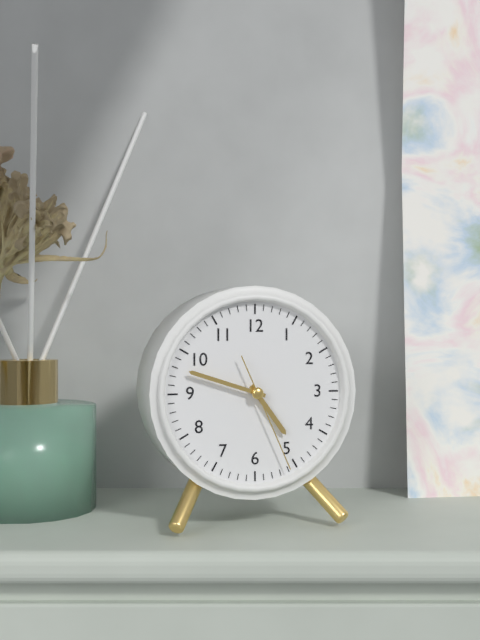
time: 4:48:26
